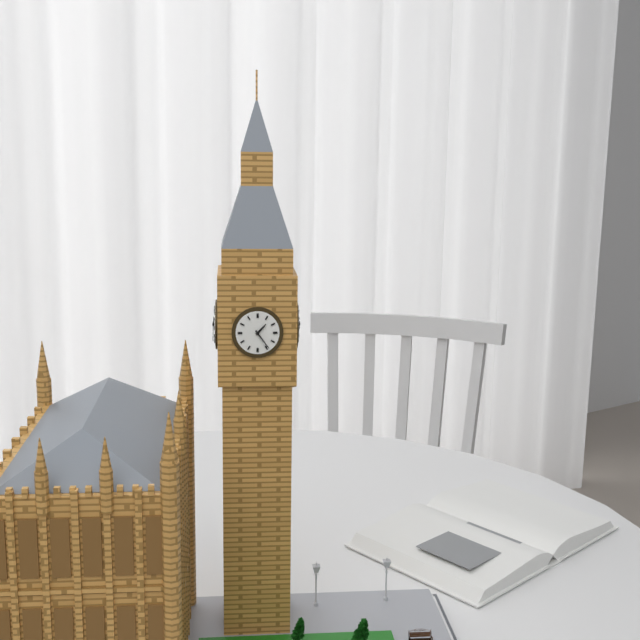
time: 1:24
